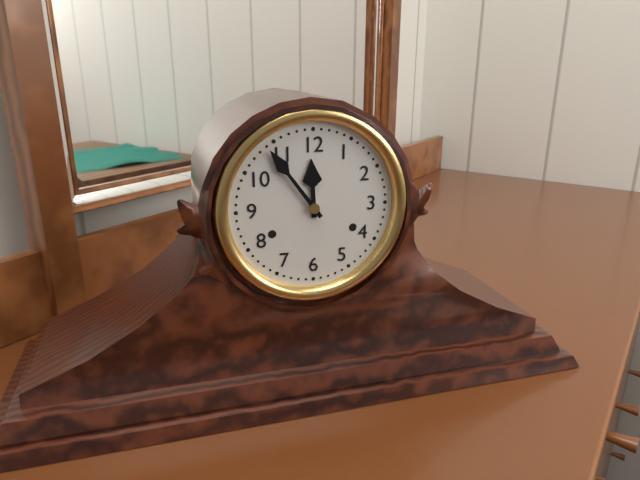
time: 11:54
